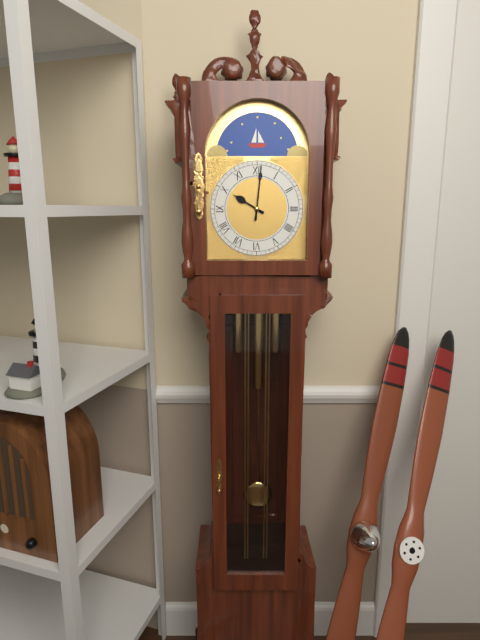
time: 10:01
